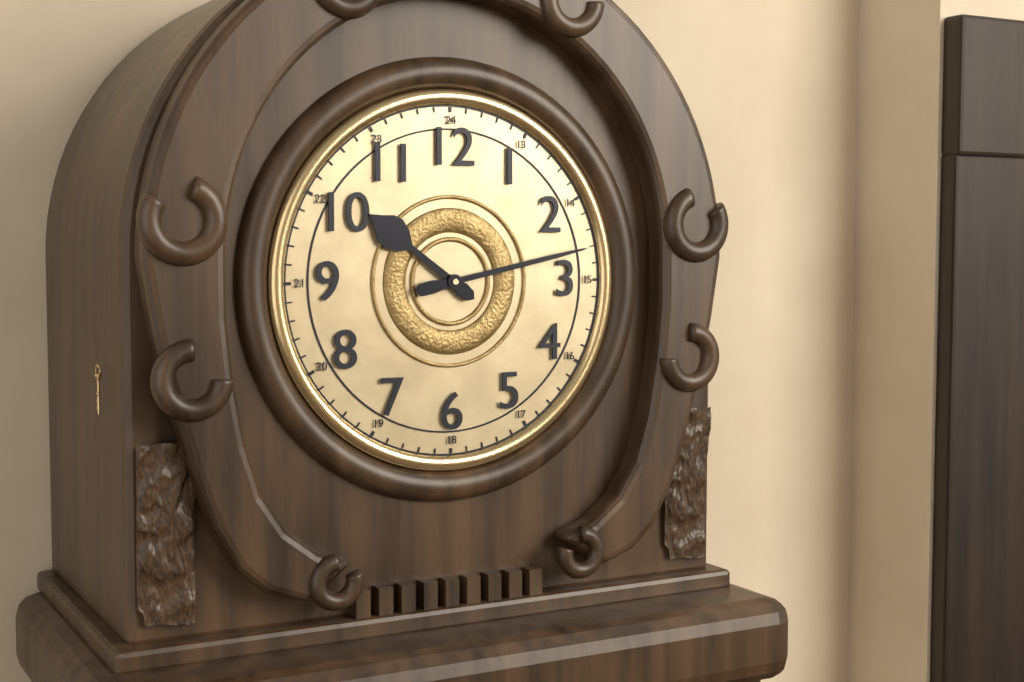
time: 10:13
